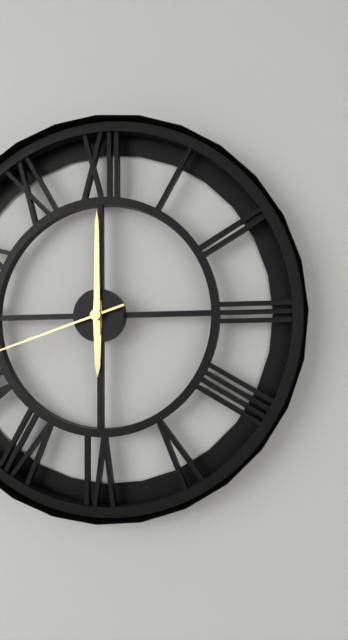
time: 6:00
